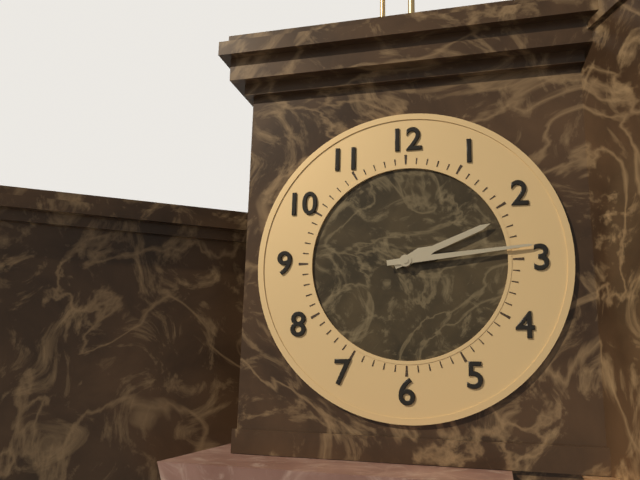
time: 2:14
